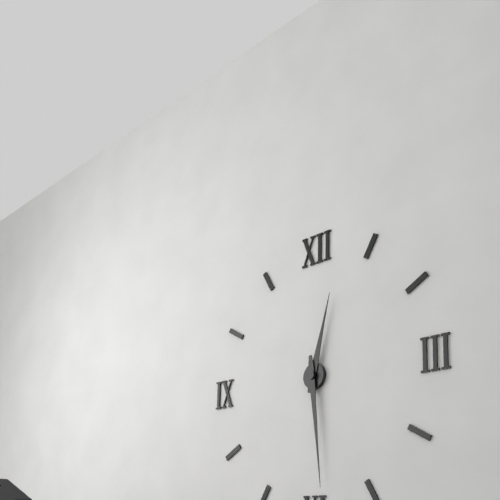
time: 12:29
